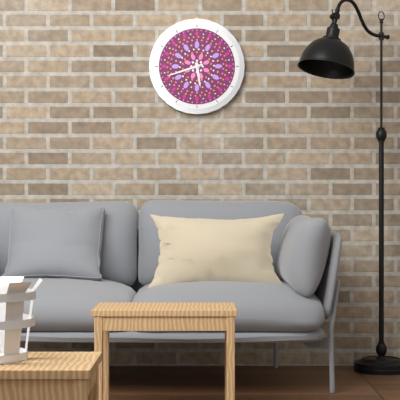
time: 5:42
